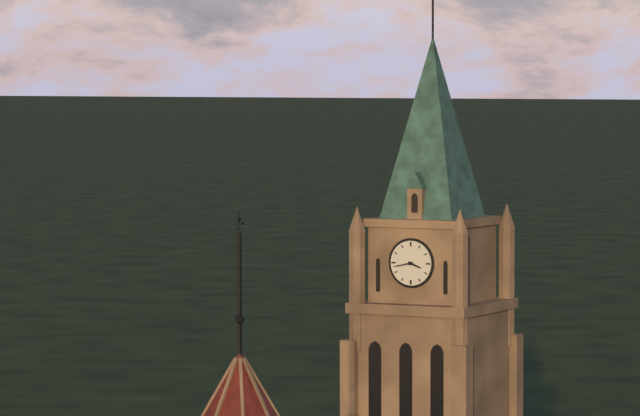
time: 3:43
